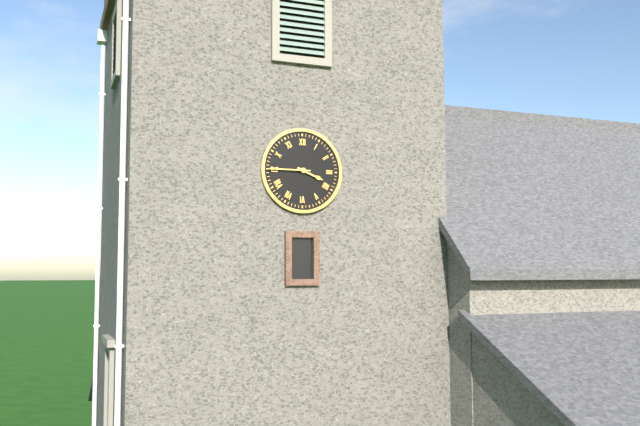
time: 3:45
